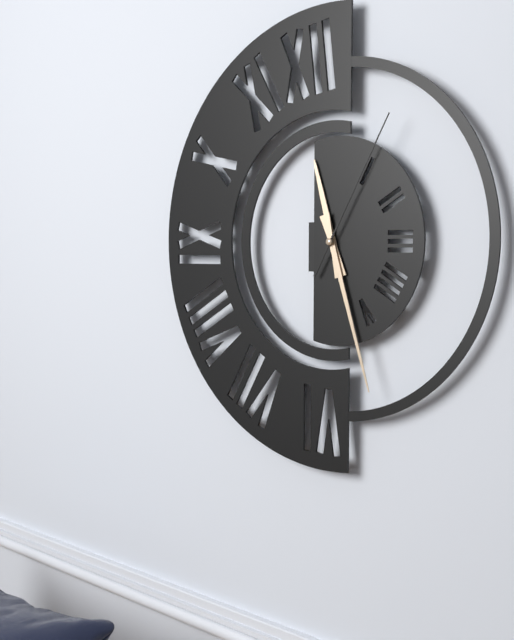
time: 11:27:05
